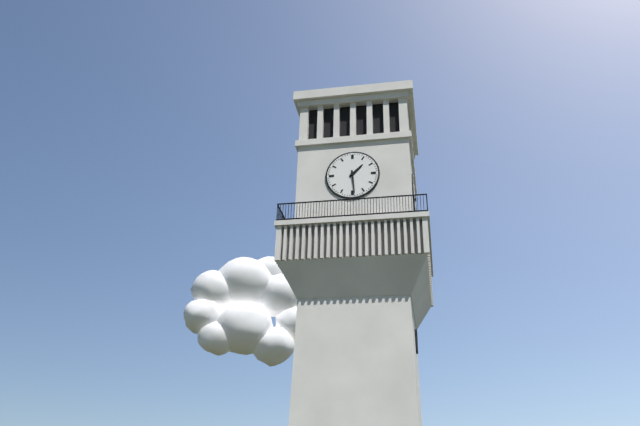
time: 1:29
